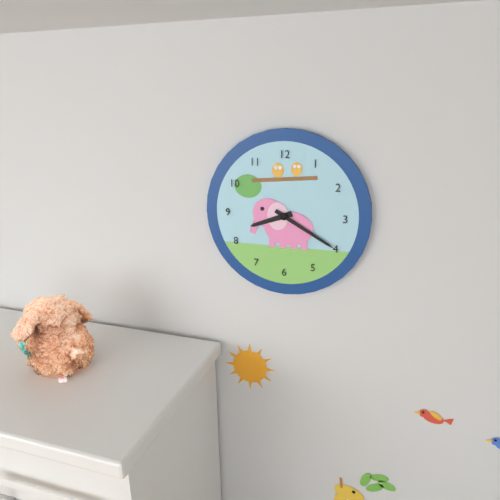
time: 8:20
